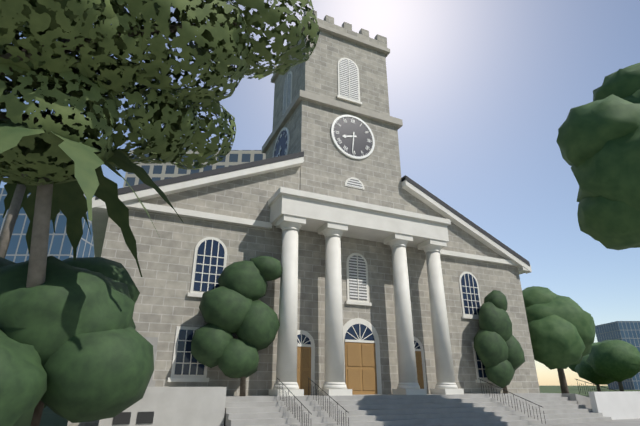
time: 8:31
